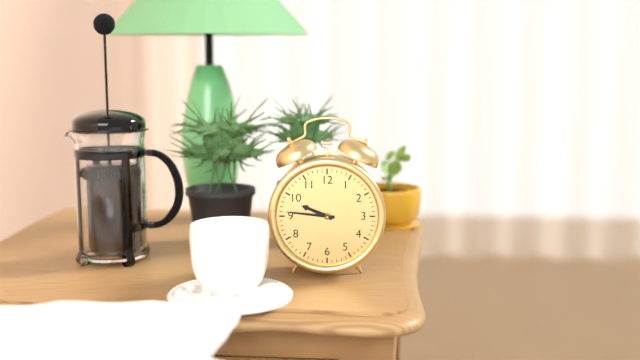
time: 9:46
